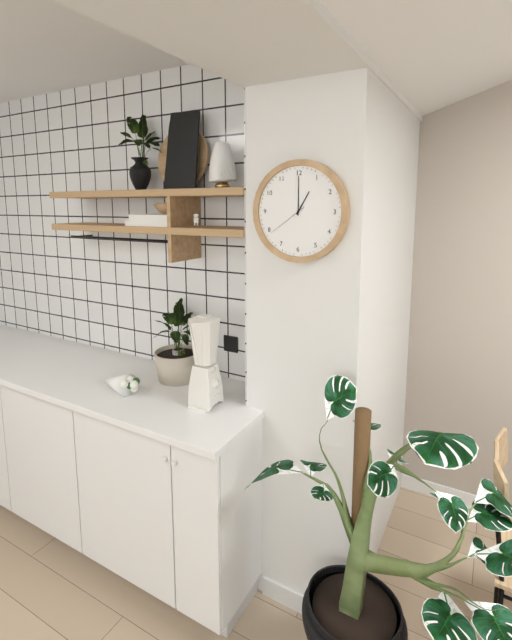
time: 1:00
